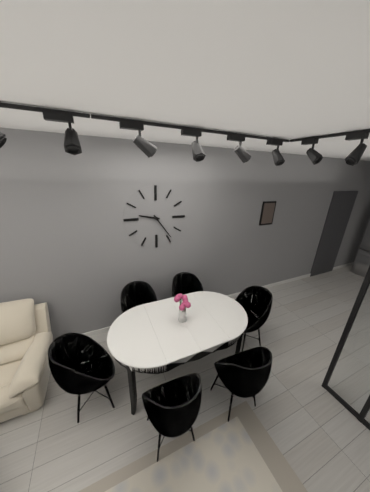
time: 9:24
